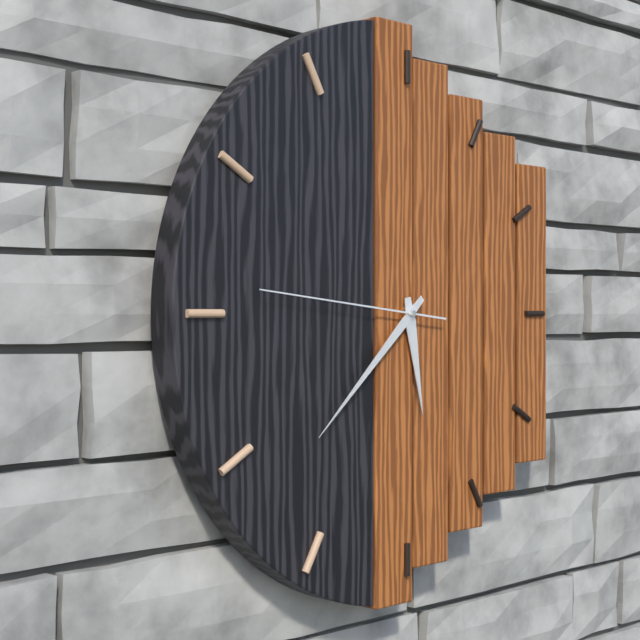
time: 5:38:46
